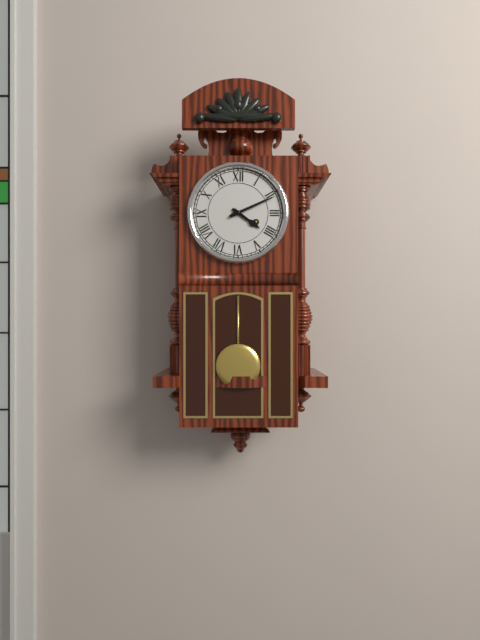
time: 4:11
